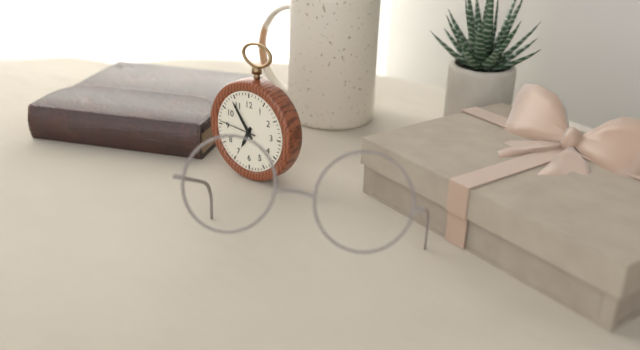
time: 6:54
